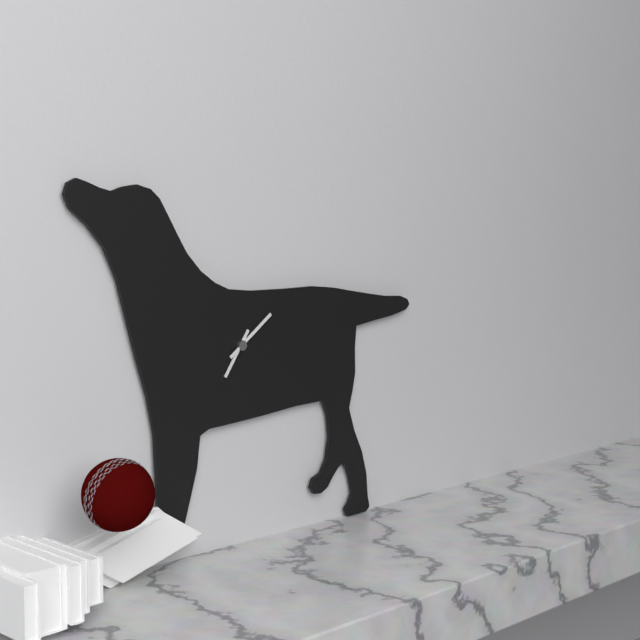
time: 7:09
